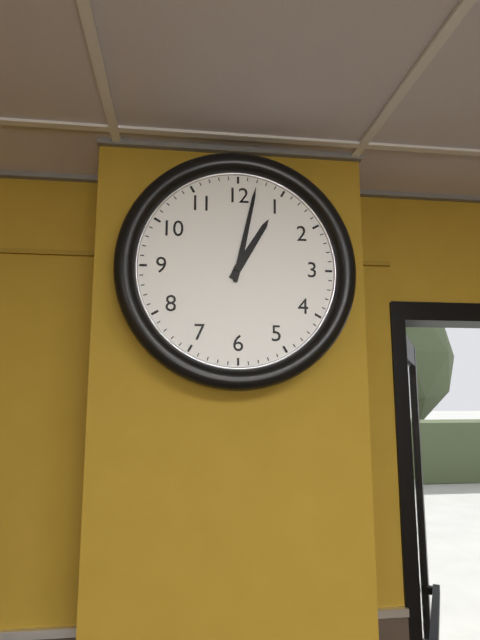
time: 1:02
